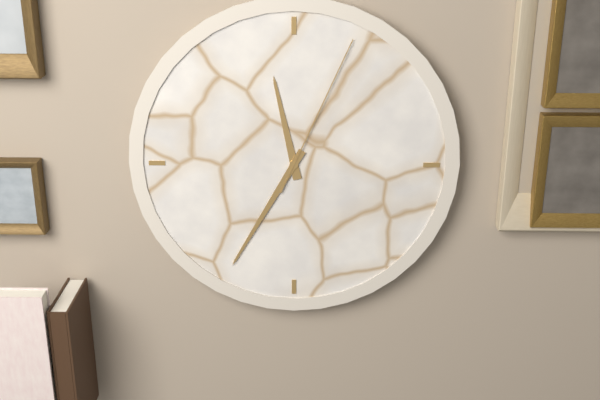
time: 11:35:04
